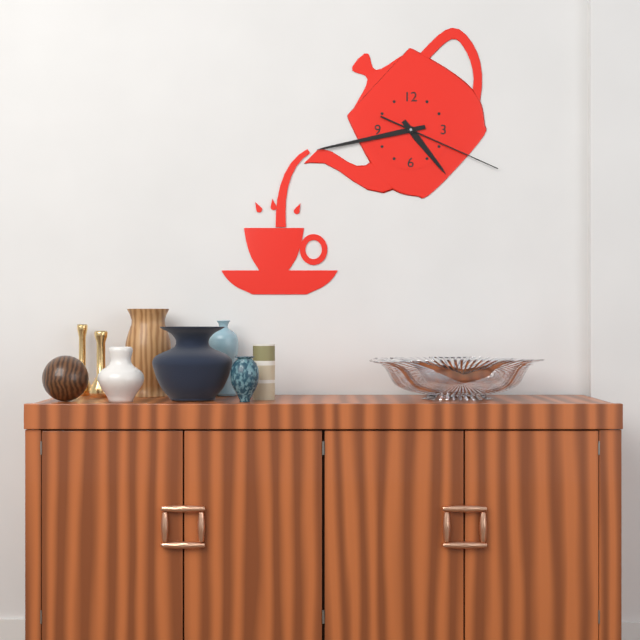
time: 4:43:19
